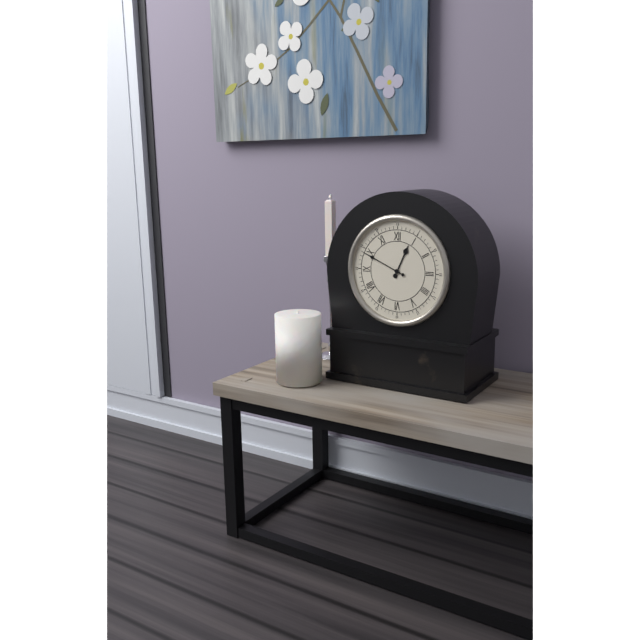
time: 12:49
